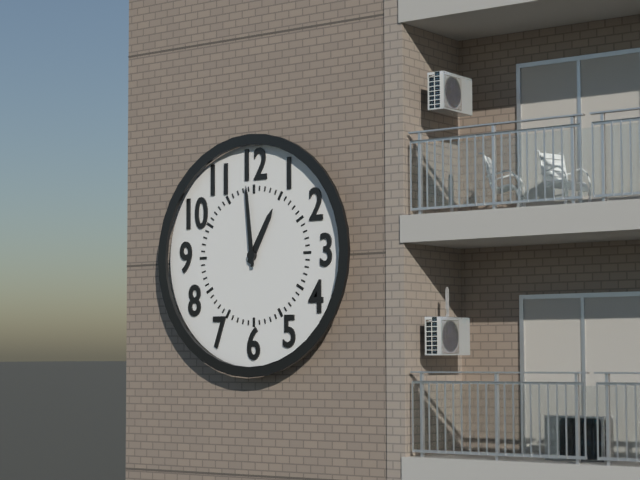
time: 12:59
